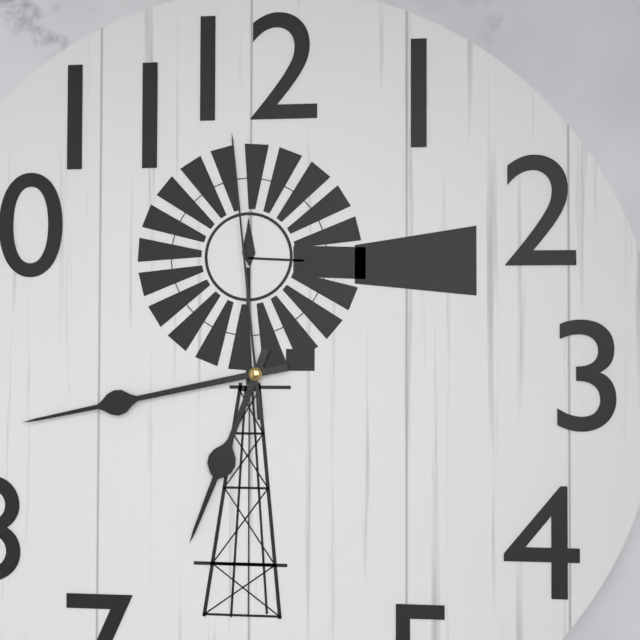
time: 6:43:59
